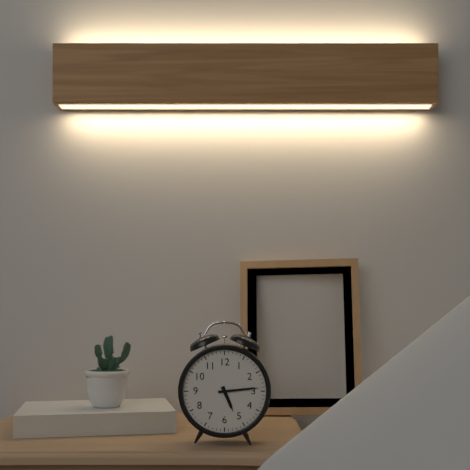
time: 5:14
